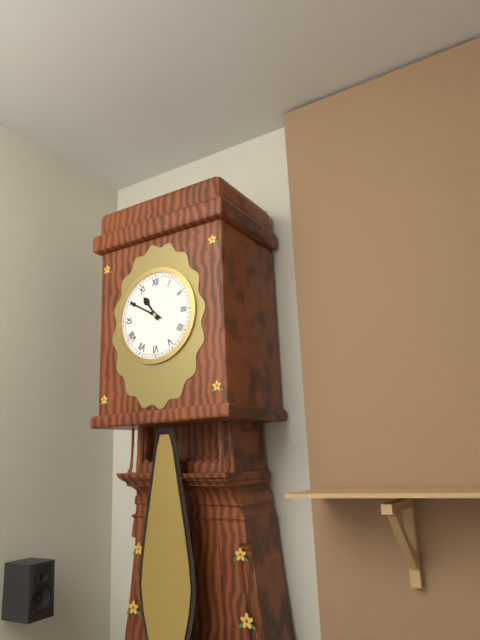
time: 10:50
